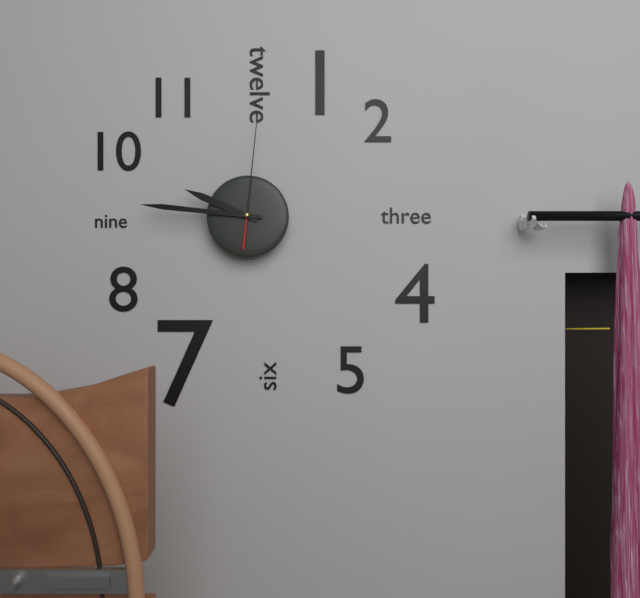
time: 9:46:01
